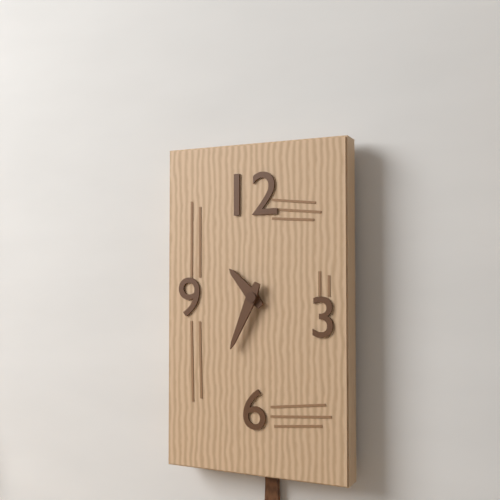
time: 10:34
